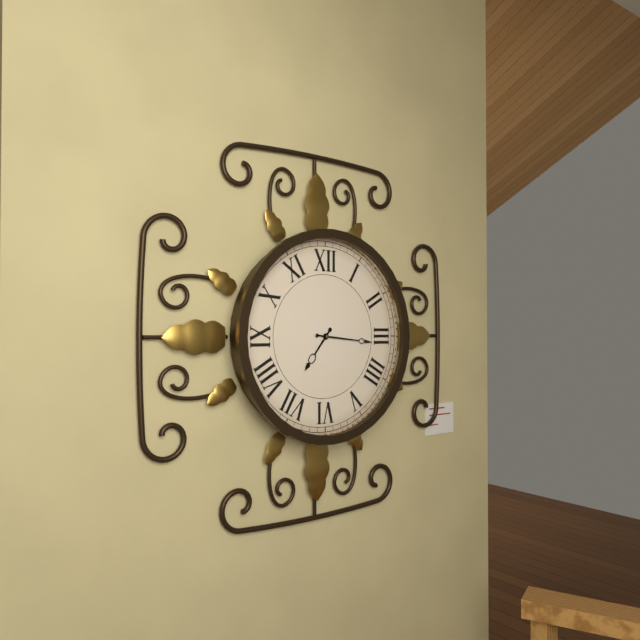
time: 7:16
